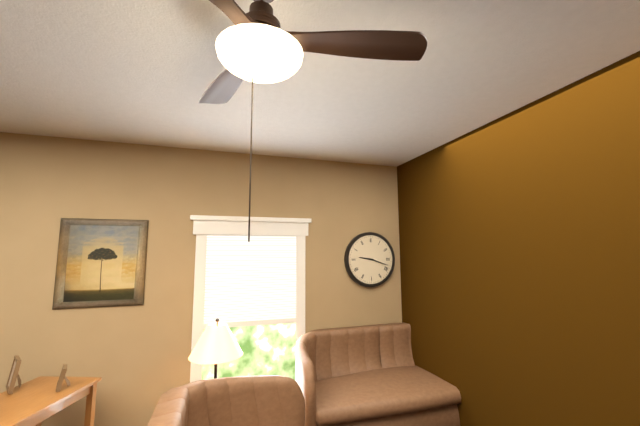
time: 9:18
